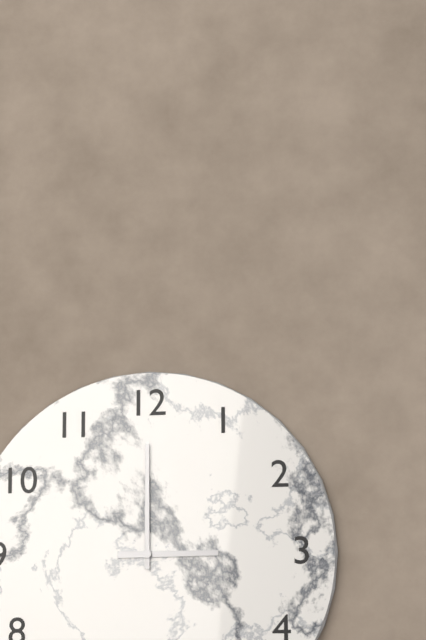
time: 3:00
